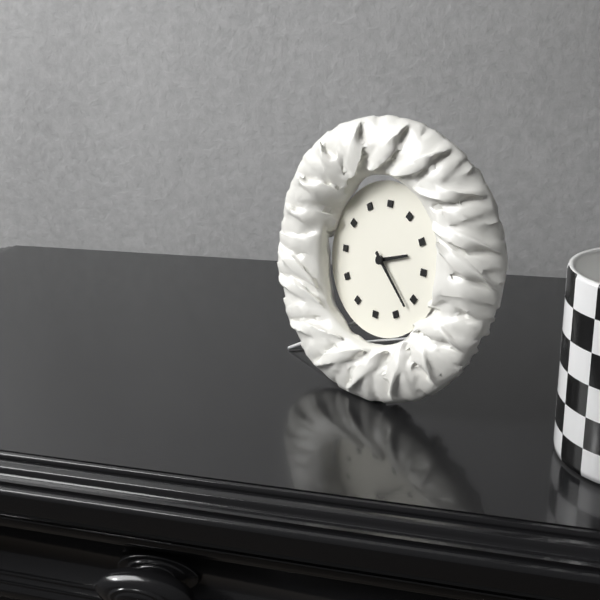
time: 2:22
